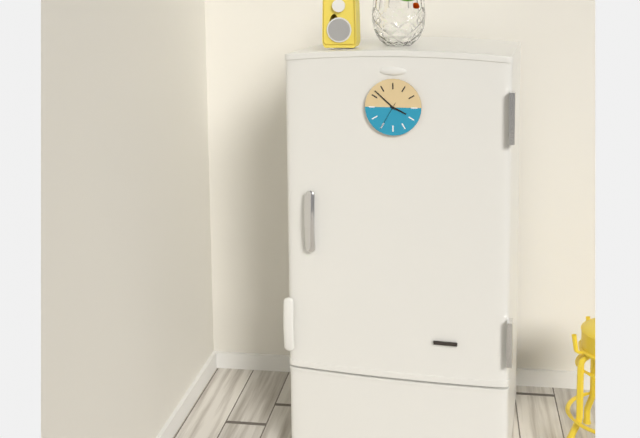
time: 3:52
